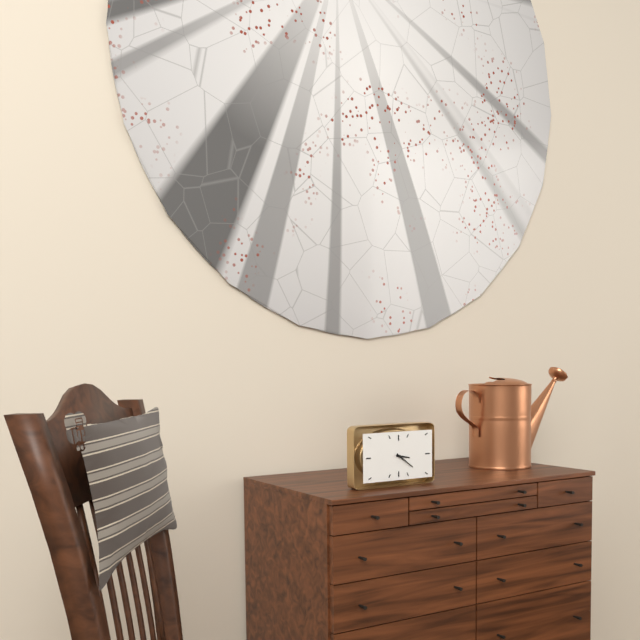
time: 3:21
